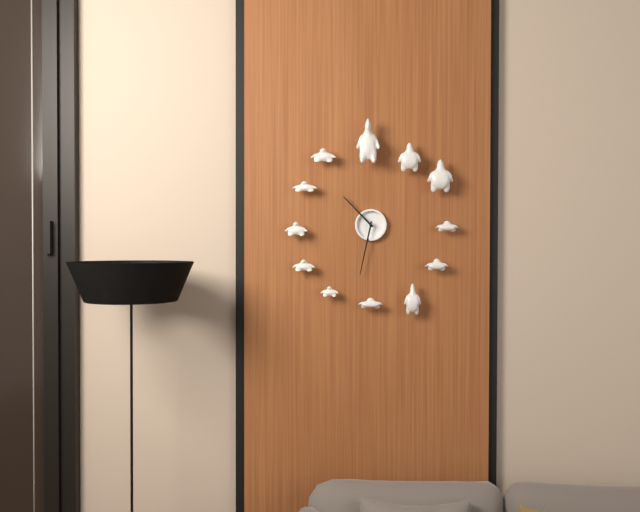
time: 10:32
